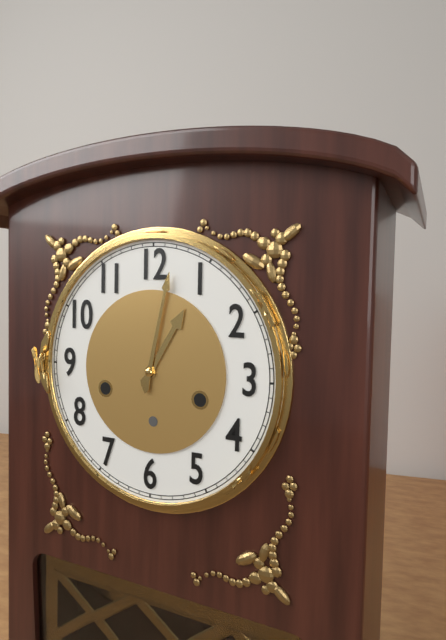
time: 1:02
